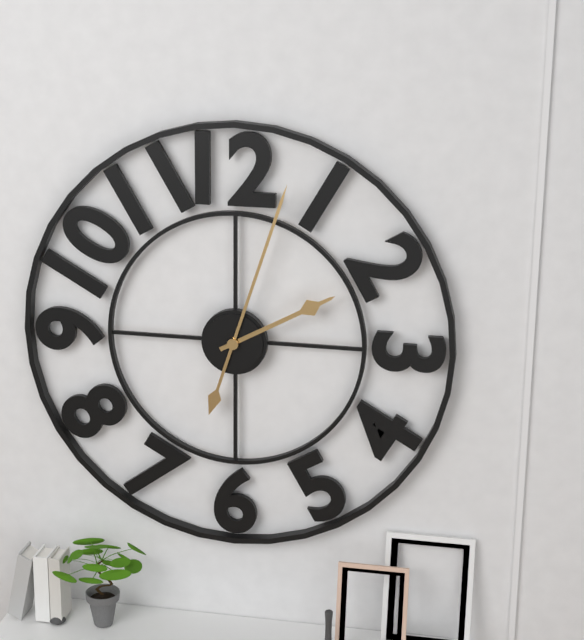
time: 2:03
